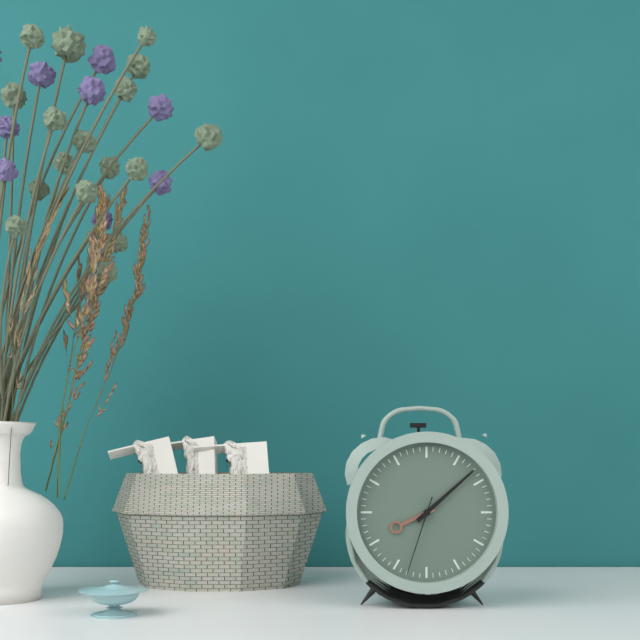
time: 8:08:33
